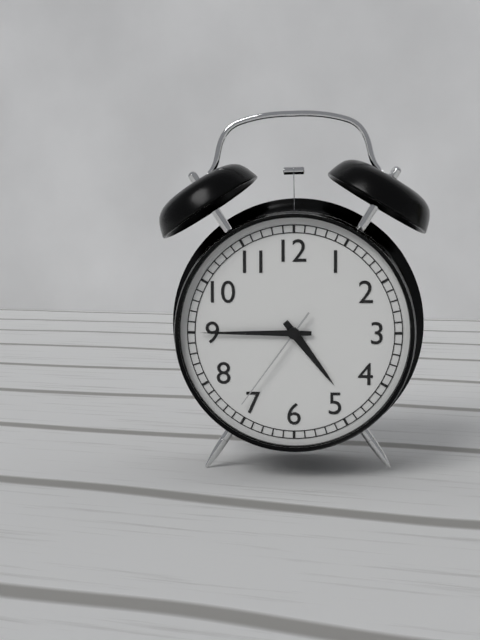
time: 4:45:36
